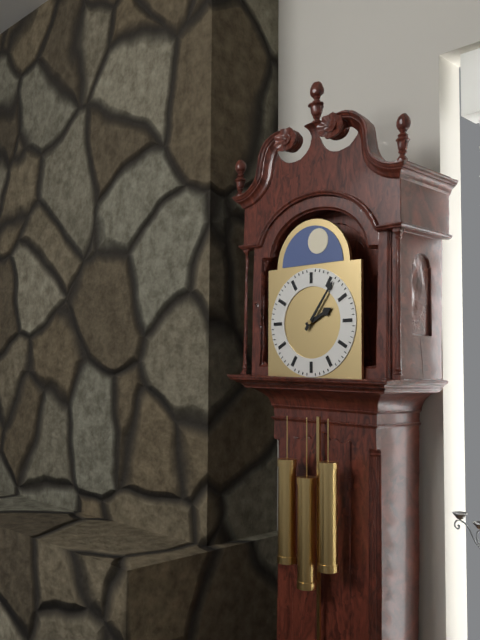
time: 2:06
